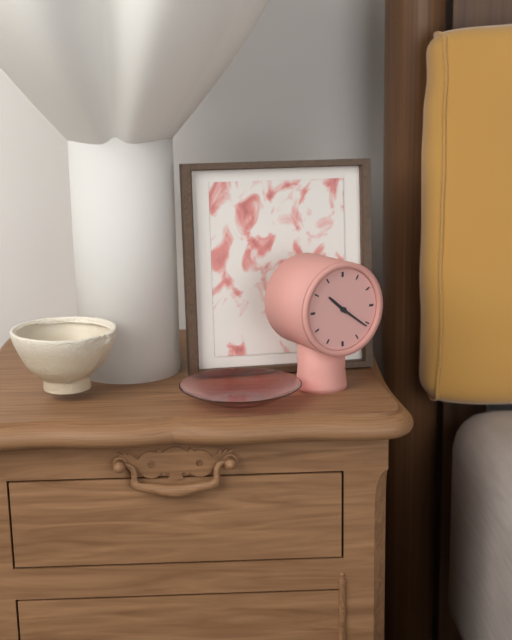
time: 10:21
